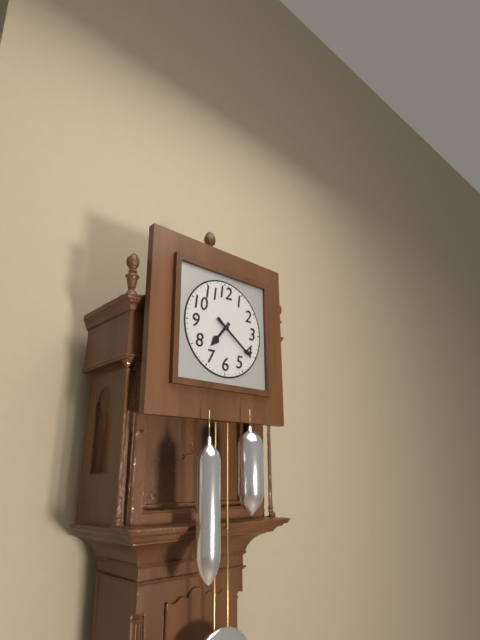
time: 7:21
